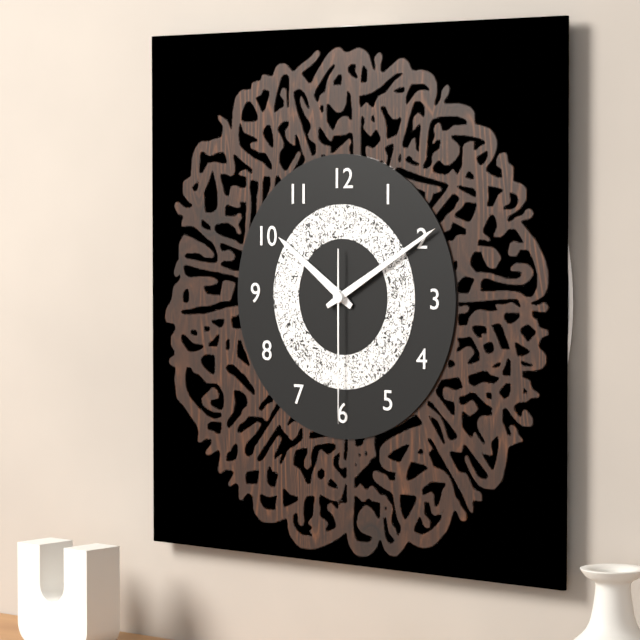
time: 10:10:30
